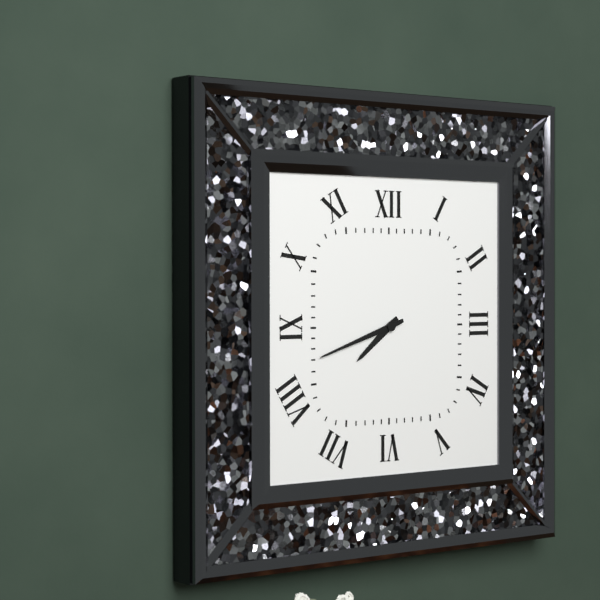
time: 7:42
